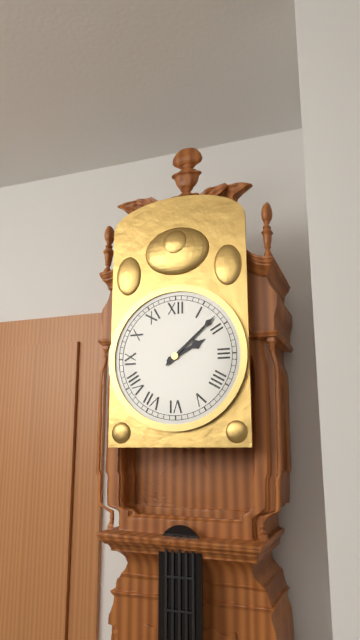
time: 2:08
